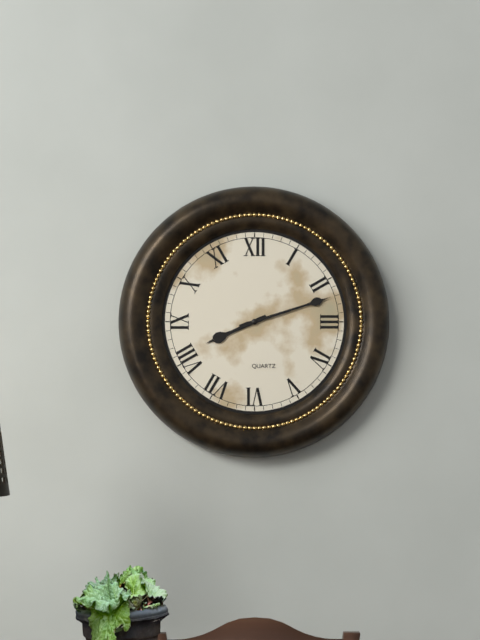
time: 8:12
